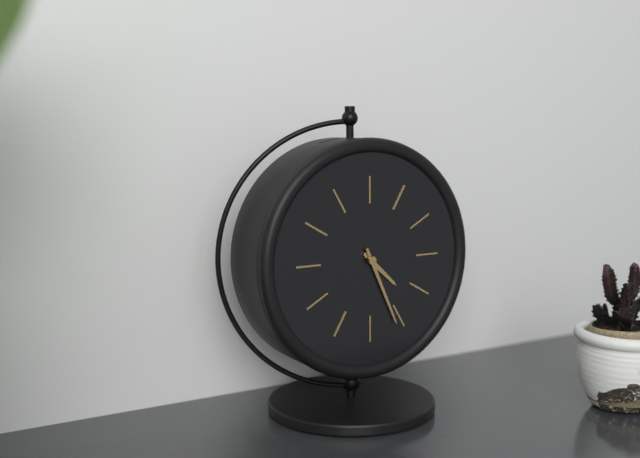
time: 4:26
